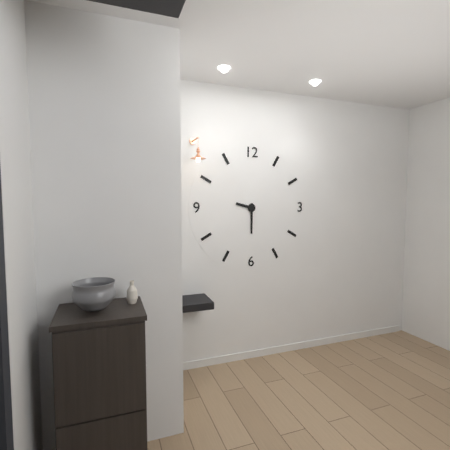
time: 9:30
